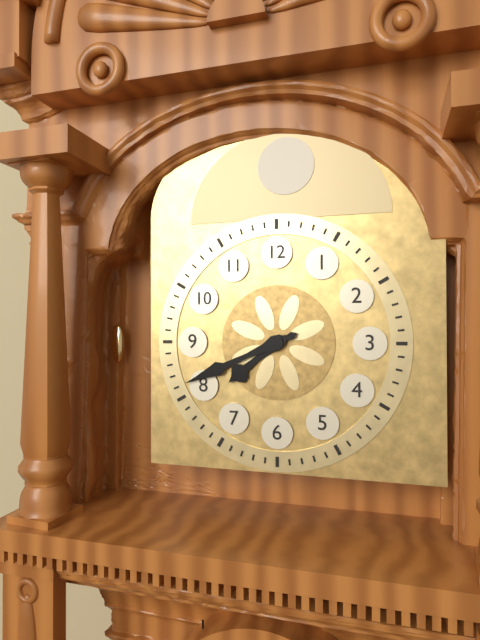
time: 7:41
